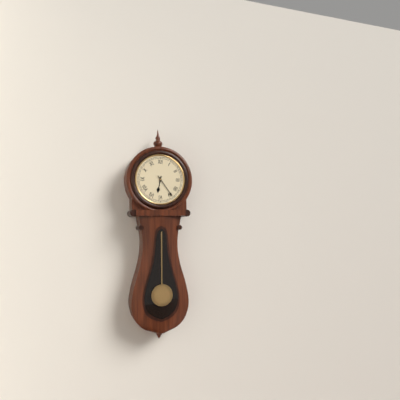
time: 6:24
